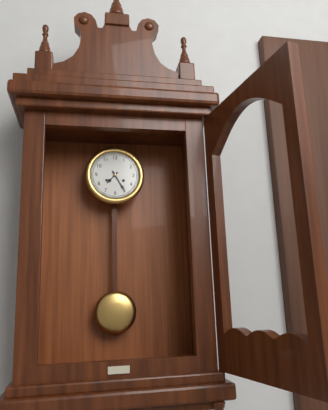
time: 7:25
